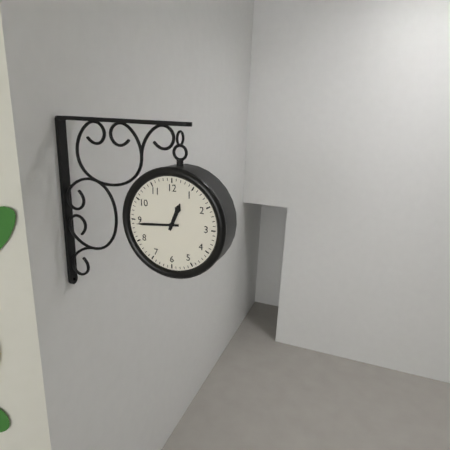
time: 12:44
